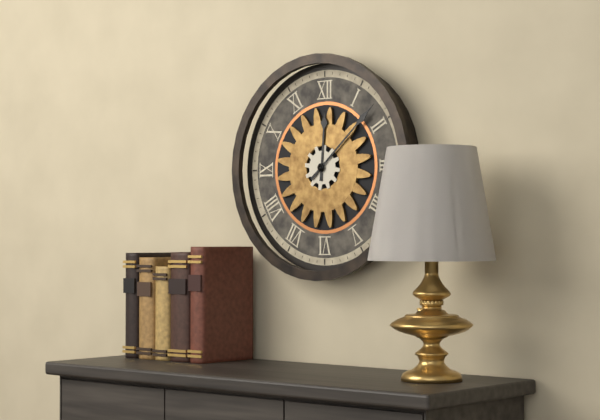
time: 12:08
